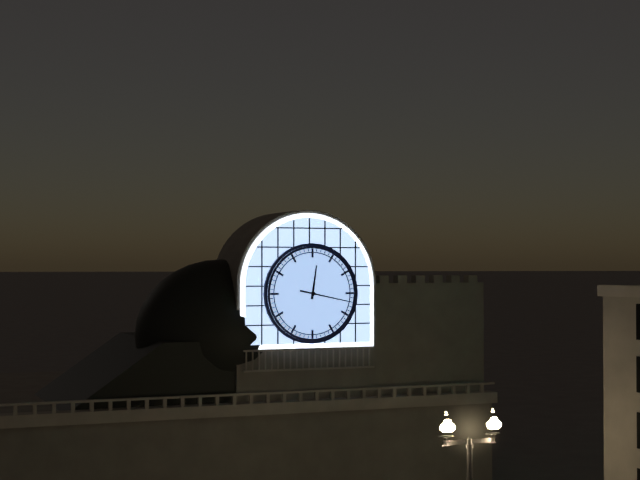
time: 12:17
